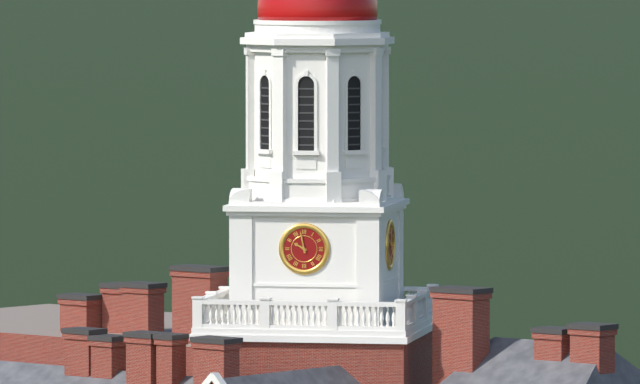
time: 9:58
